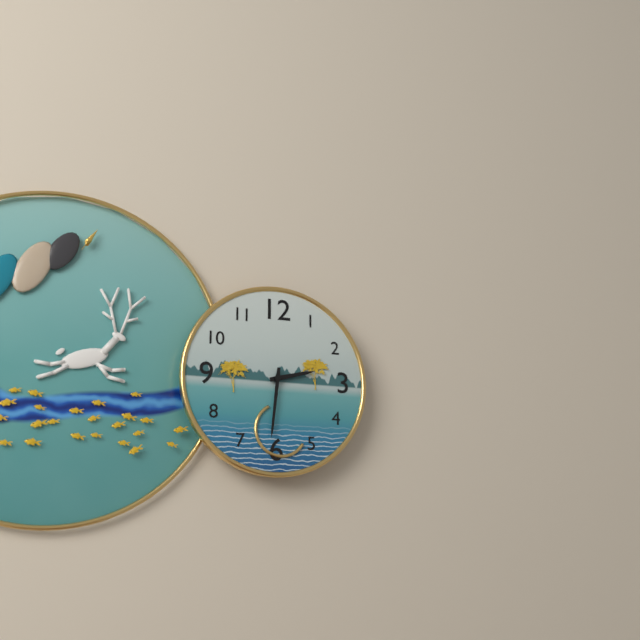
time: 2:31
